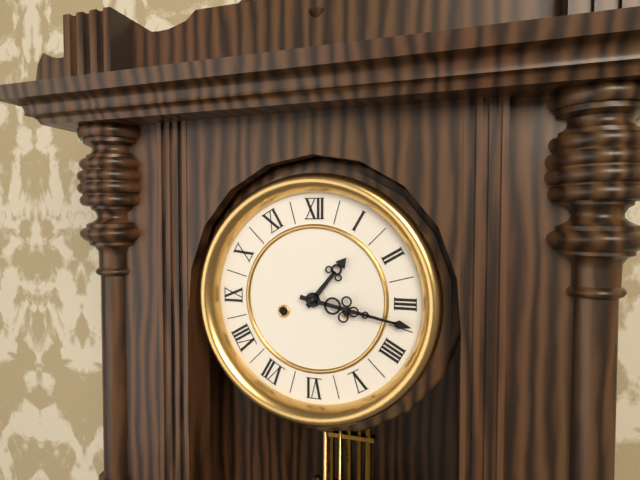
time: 1:17
